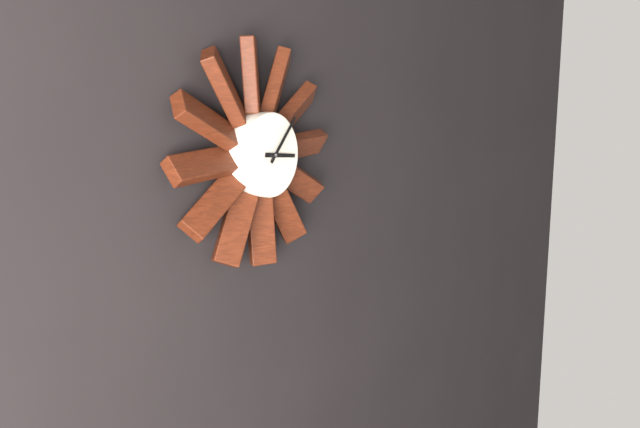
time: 3:07
